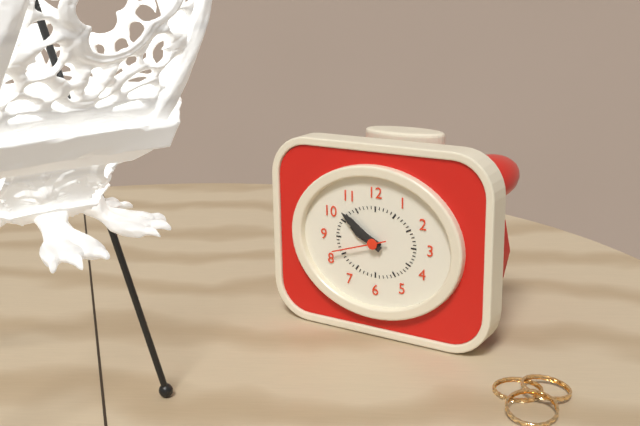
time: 9:51:42
